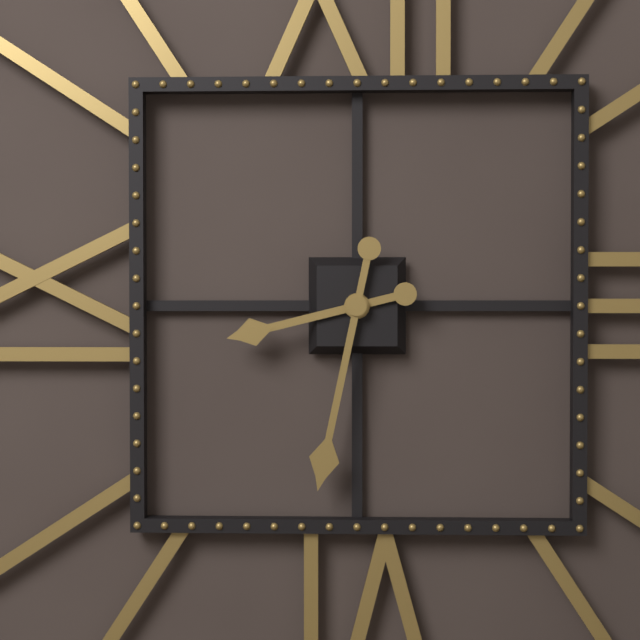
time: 8:32
